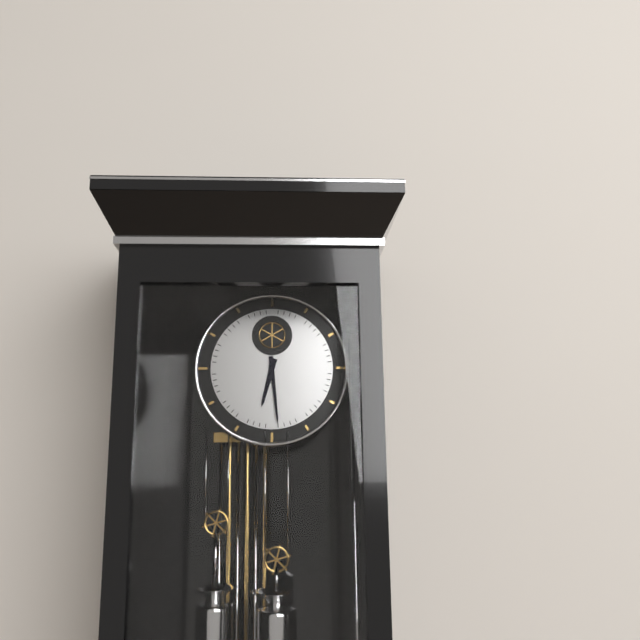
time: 6:29
